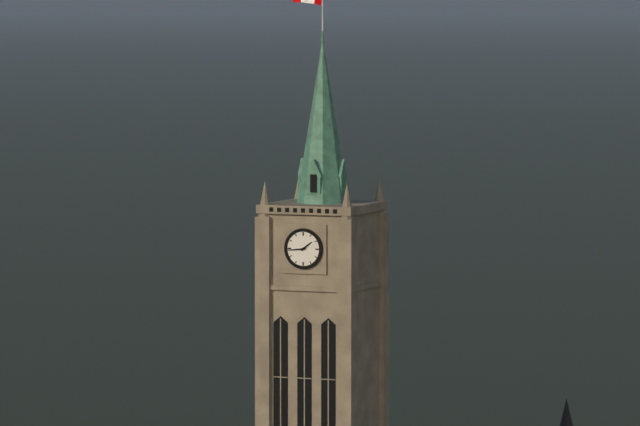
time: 1:44
